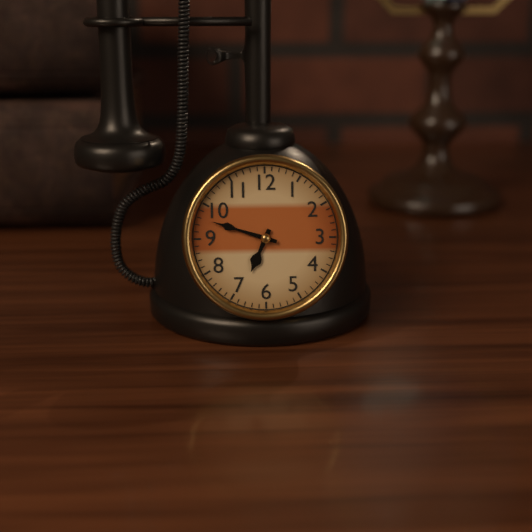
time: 6:48
